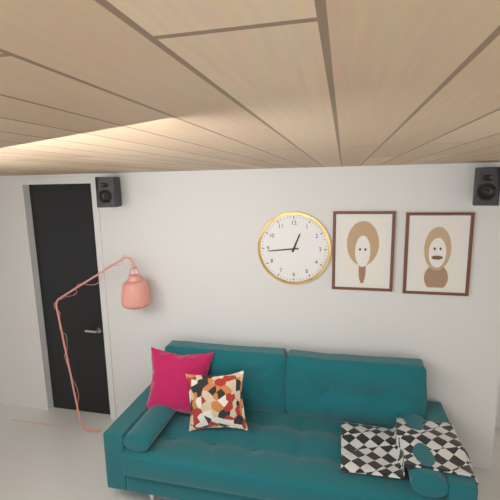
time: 12:44
